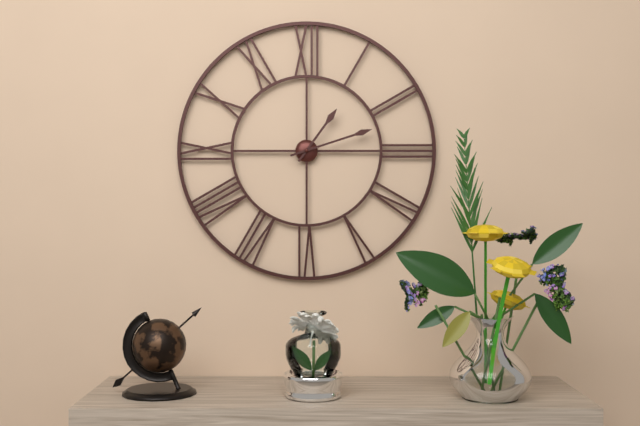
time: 1:12
